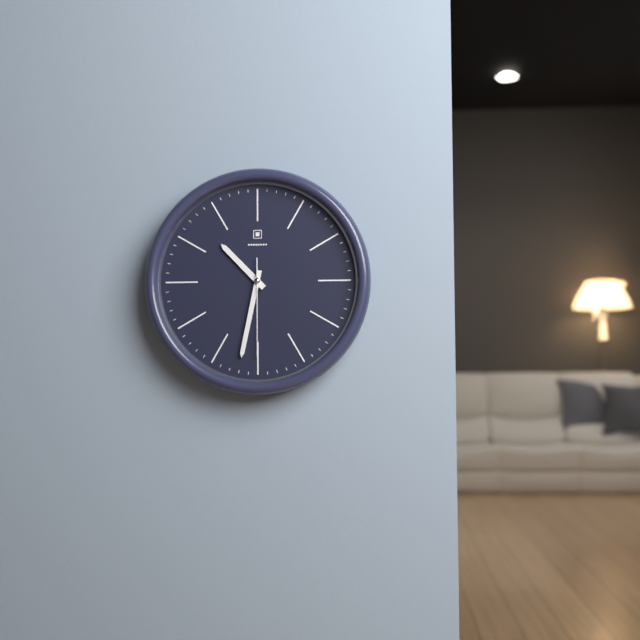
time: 10:32:30
